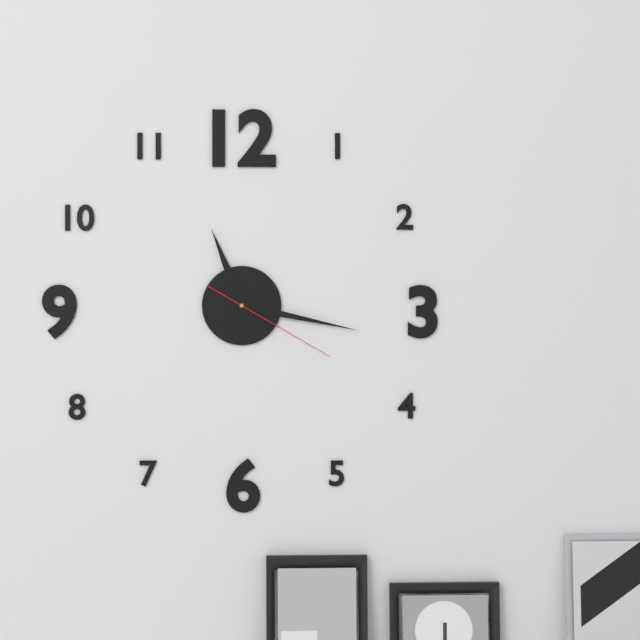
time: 11:17:20
